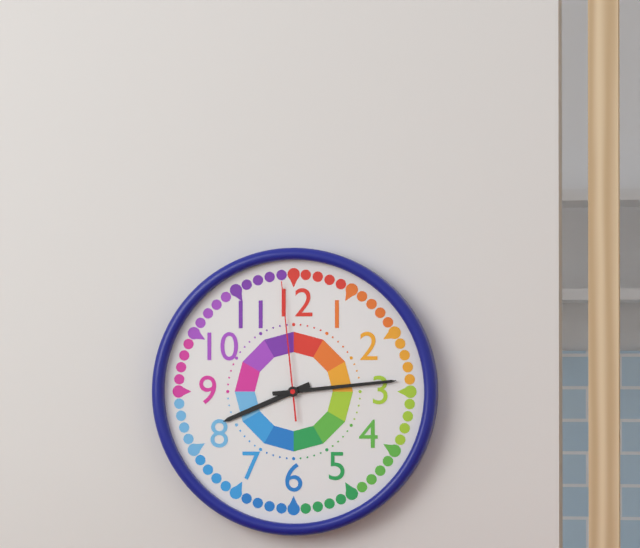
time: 8:14:59
